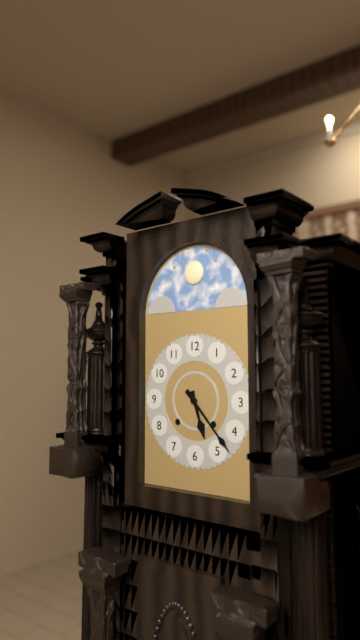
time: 5:23
